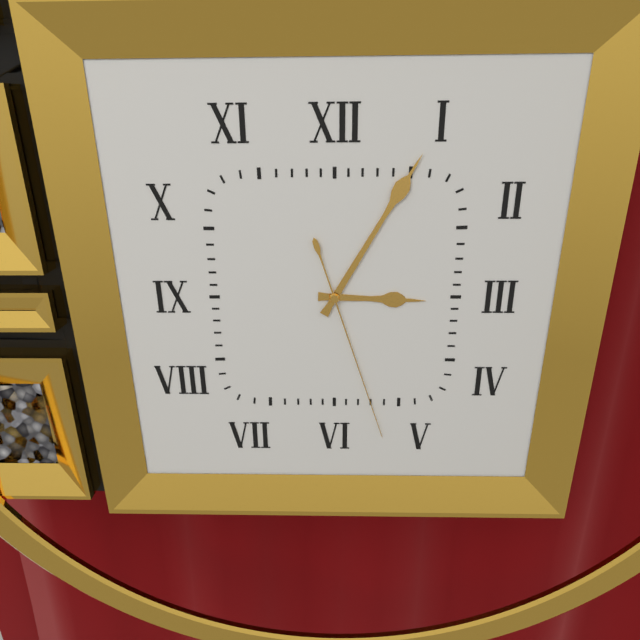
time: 3:05:27
